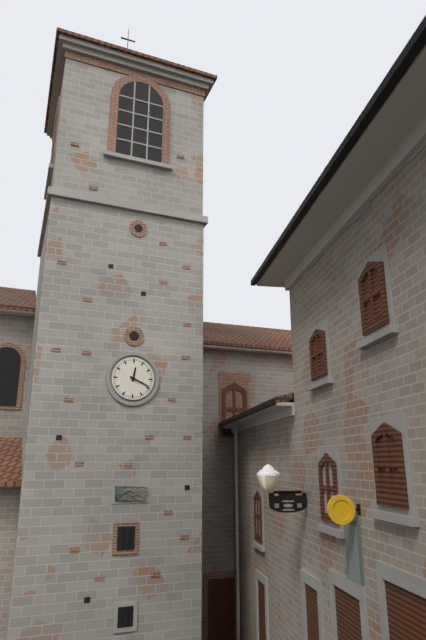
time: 12:19
